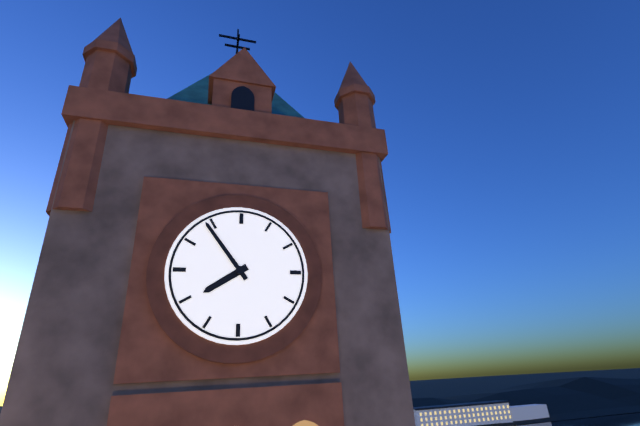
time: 7:54
